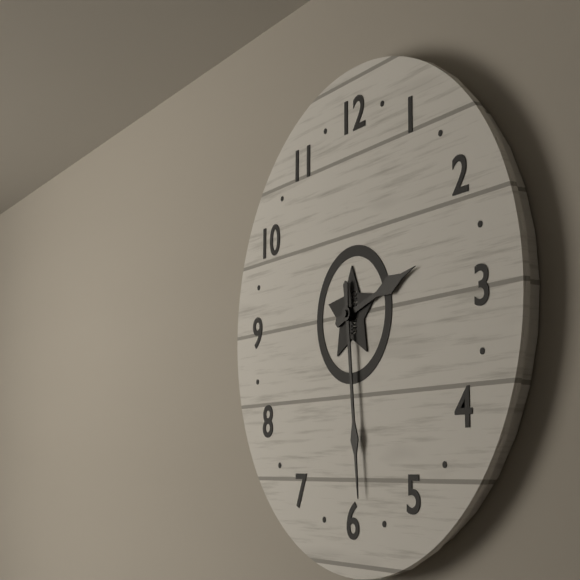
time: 2:29
